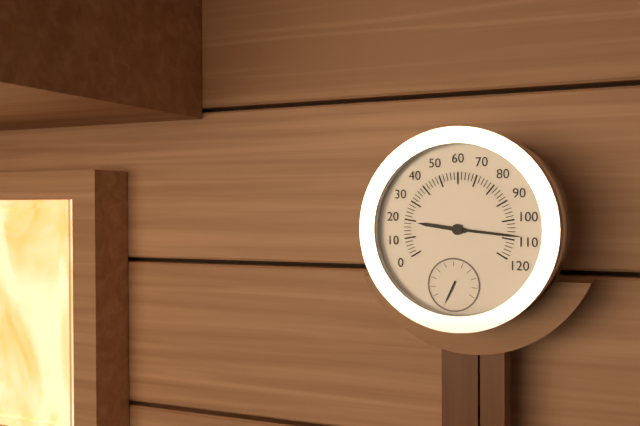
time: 9:16
